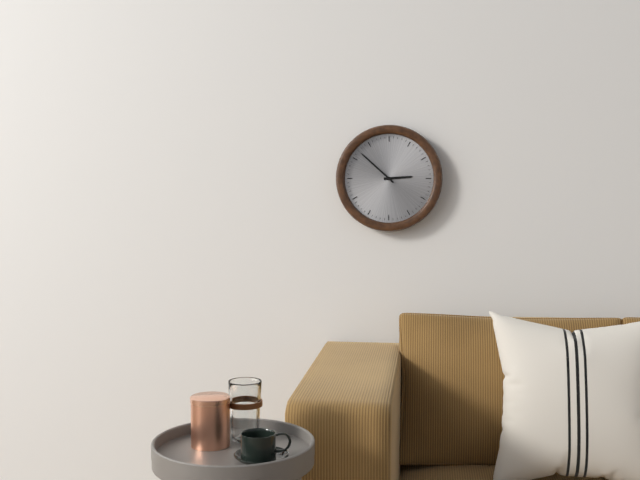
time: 2:52
